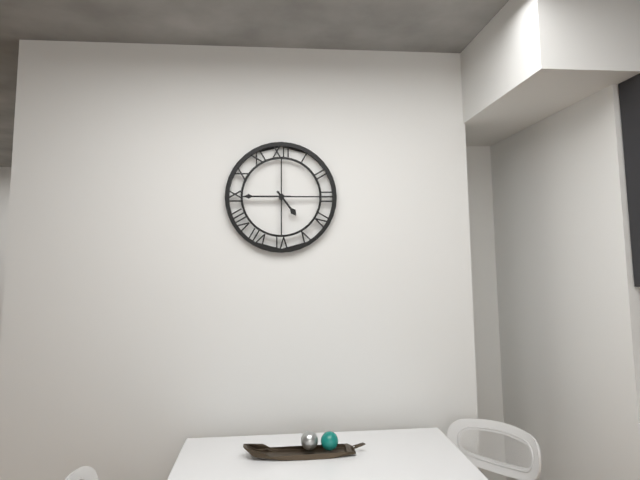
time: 4:45
